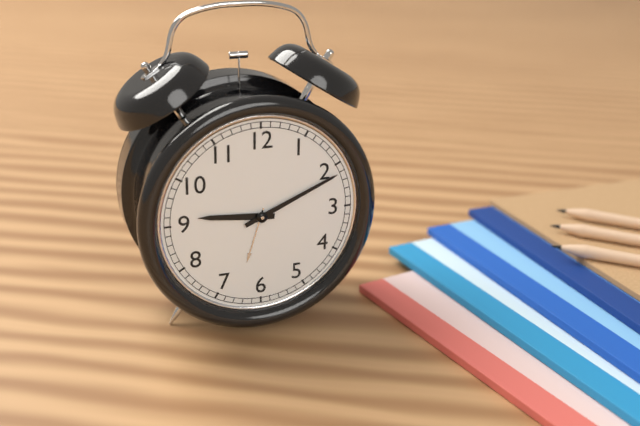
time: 9:11
